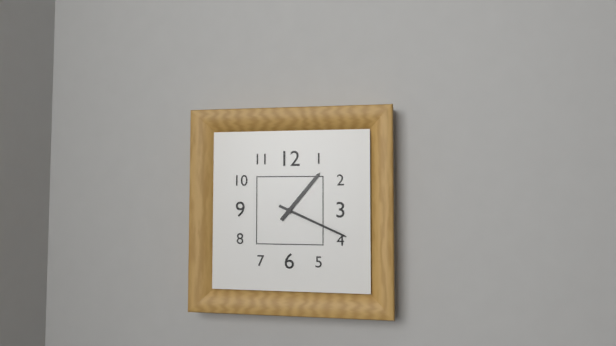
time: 1:19
